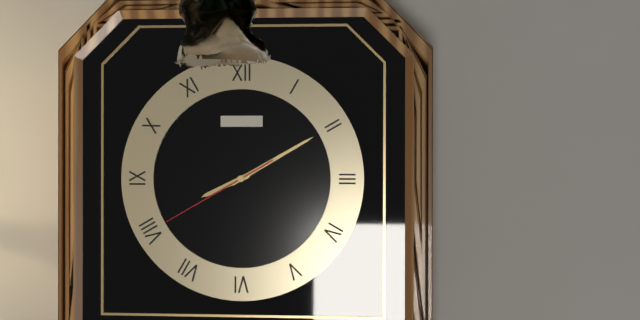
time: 8:10:40
